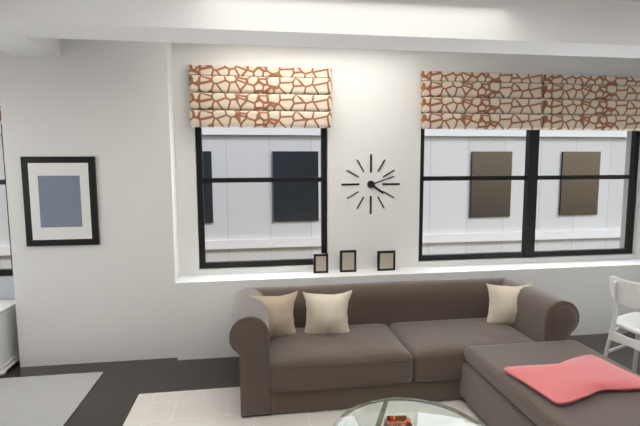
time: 4:12
